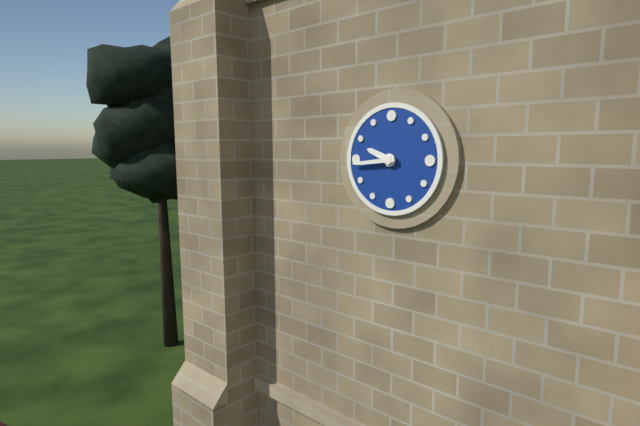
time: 9:44
